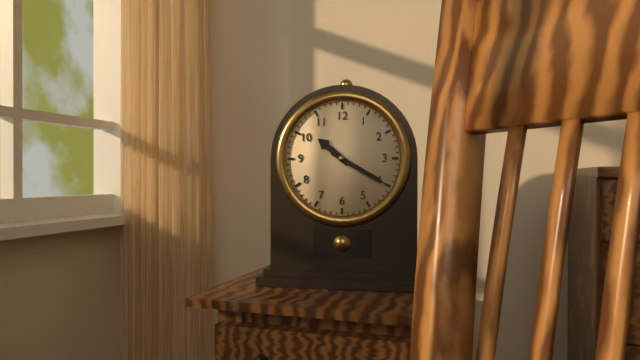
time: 10:20
